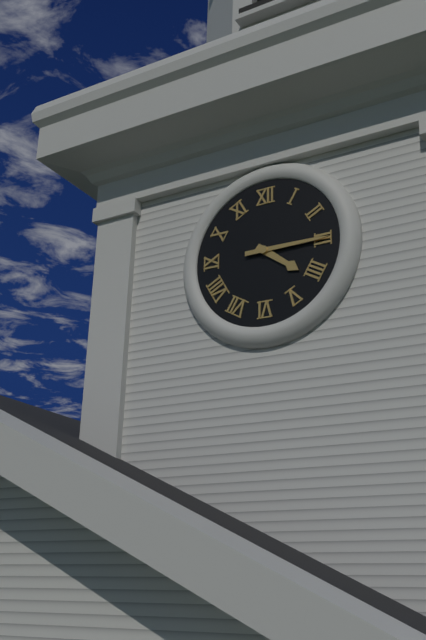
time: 4:15
